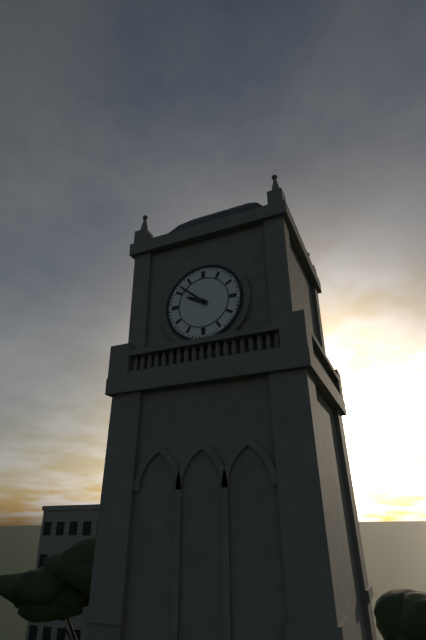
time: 9:52
